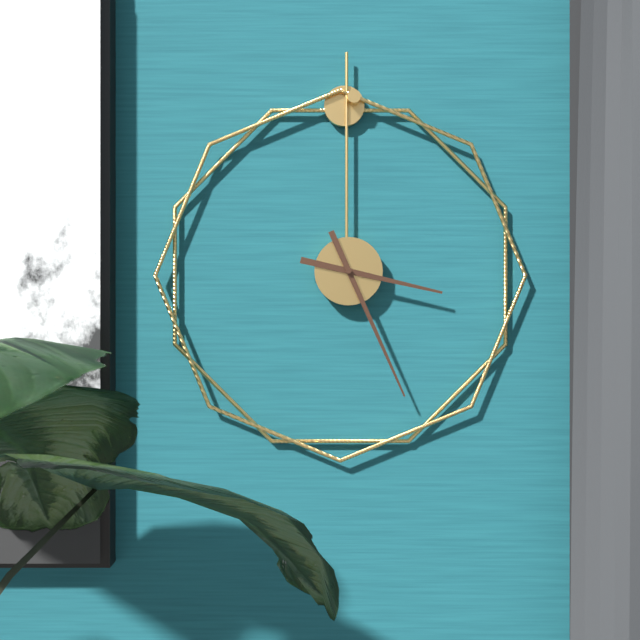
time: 3:26
